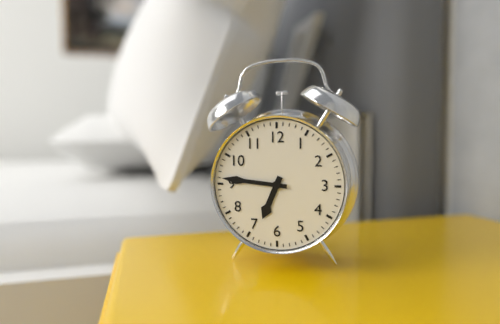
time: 6:46
